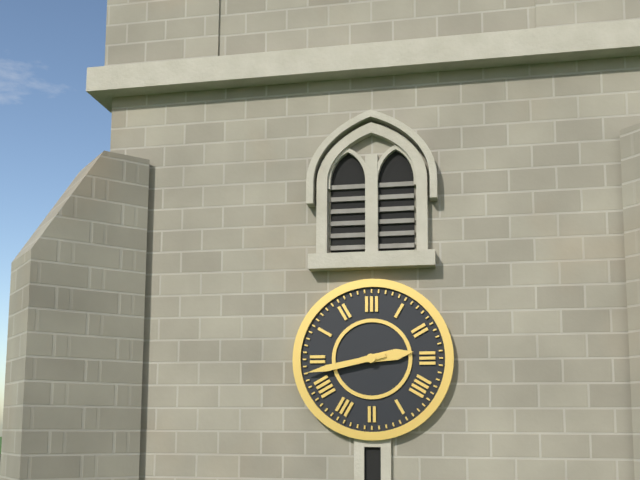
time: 2:43
